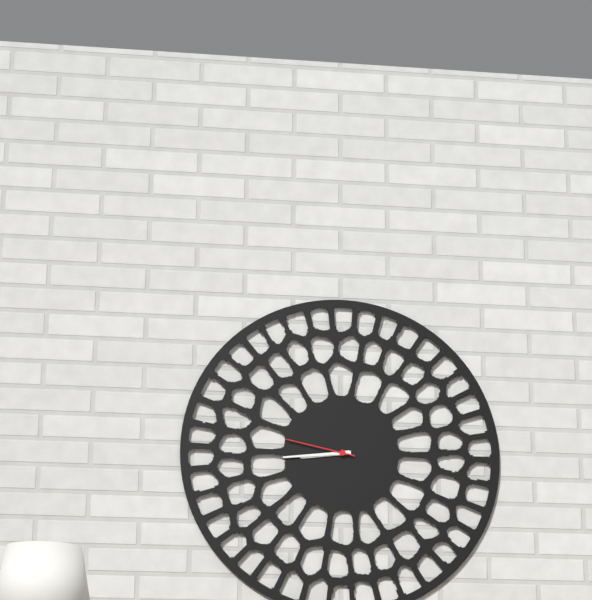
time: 8:44:47
